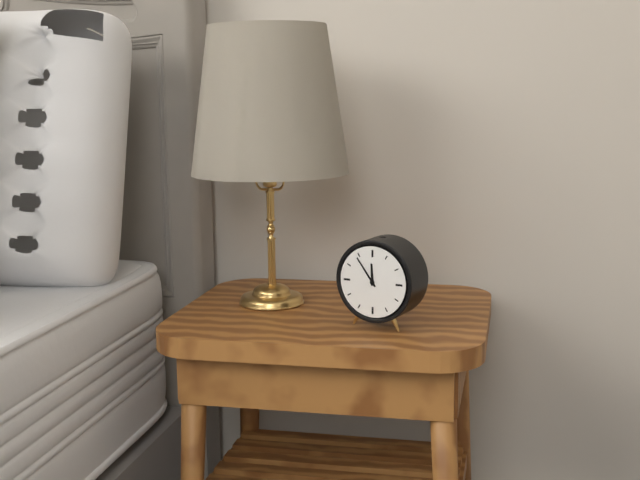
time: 11:54
